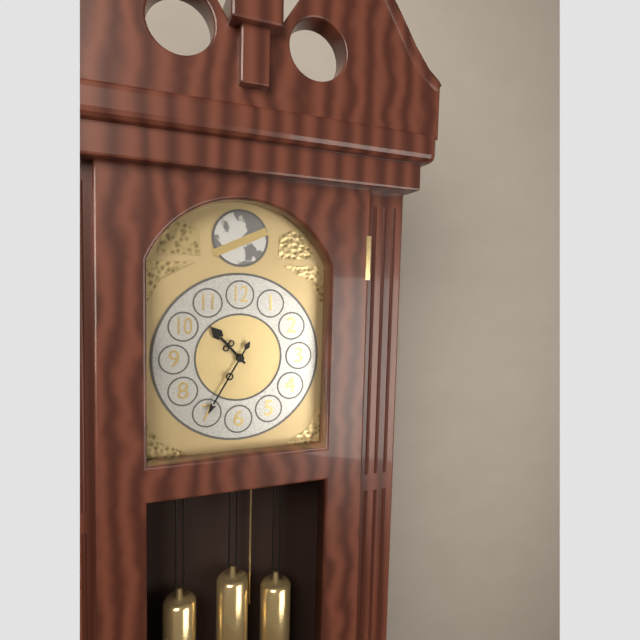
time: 10:35
